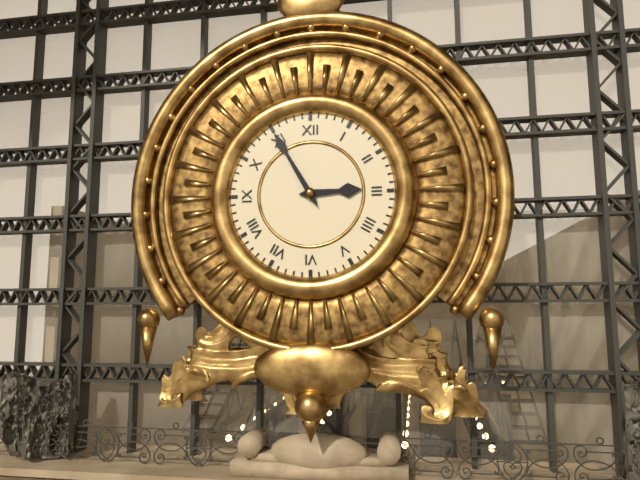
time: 2:55
